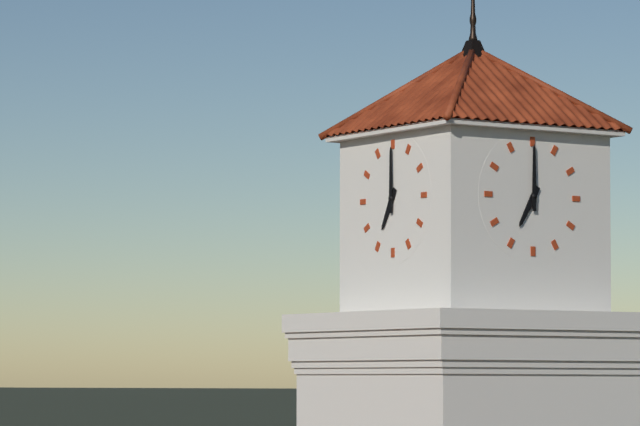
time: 7:00
